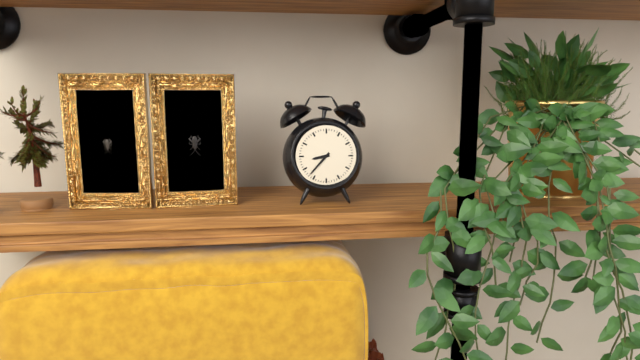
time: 8:37
